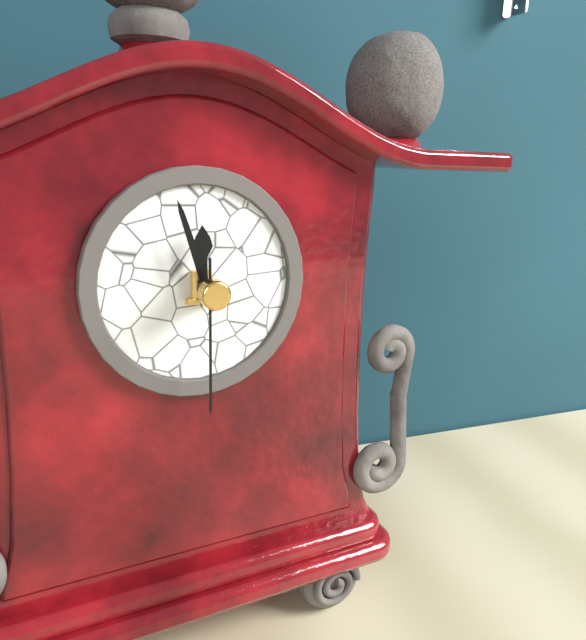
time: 11:57:30
